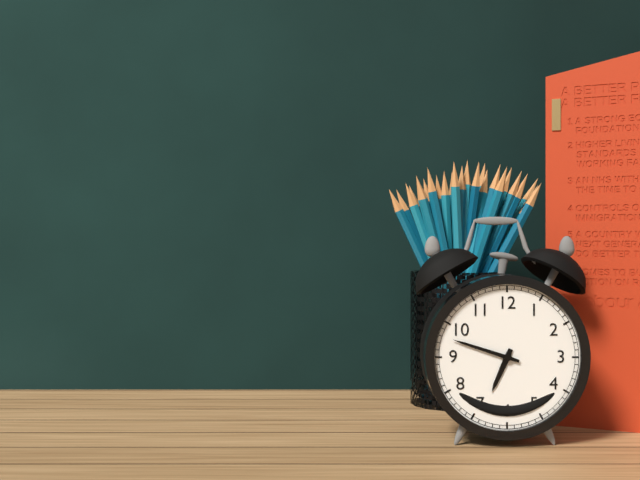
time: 6:48
